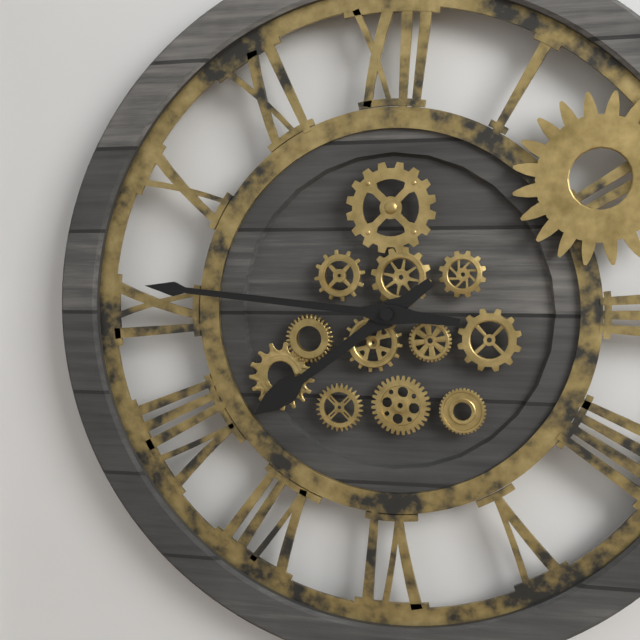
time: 7:46
